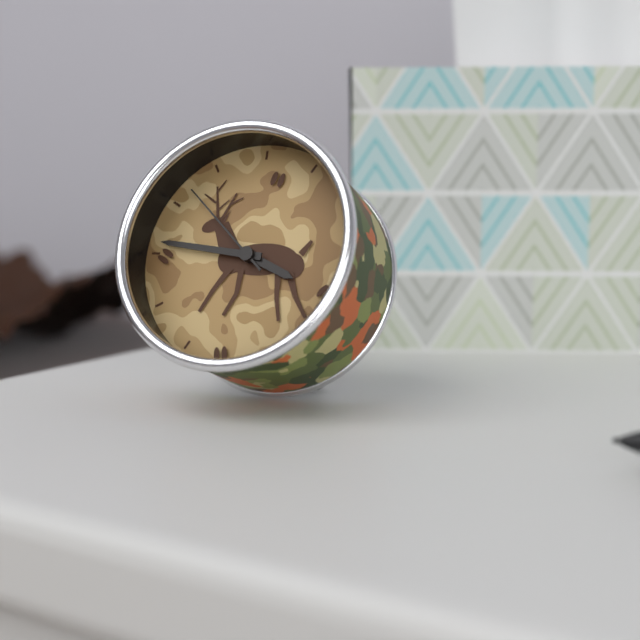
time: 3:46:52
